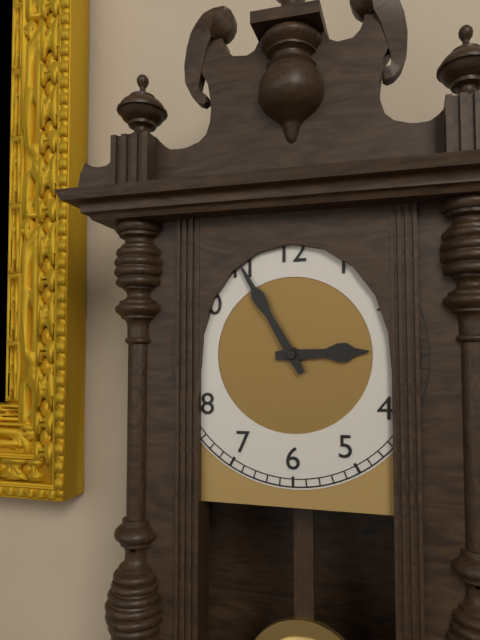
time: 2:55
